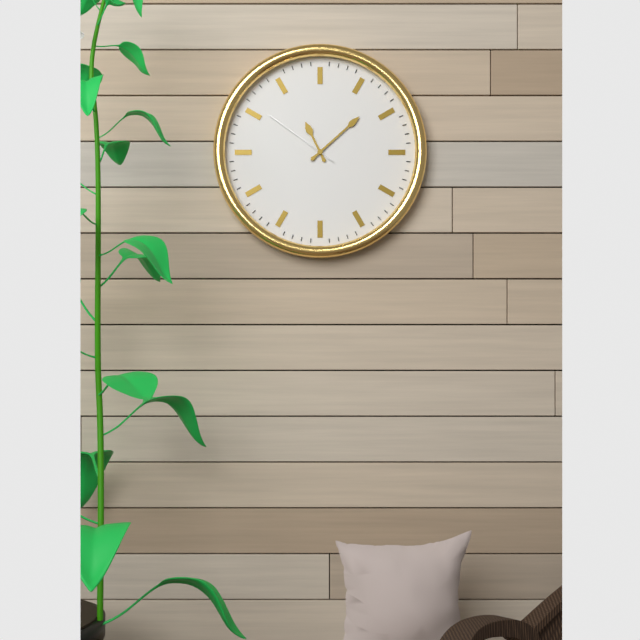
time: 11:08:51
